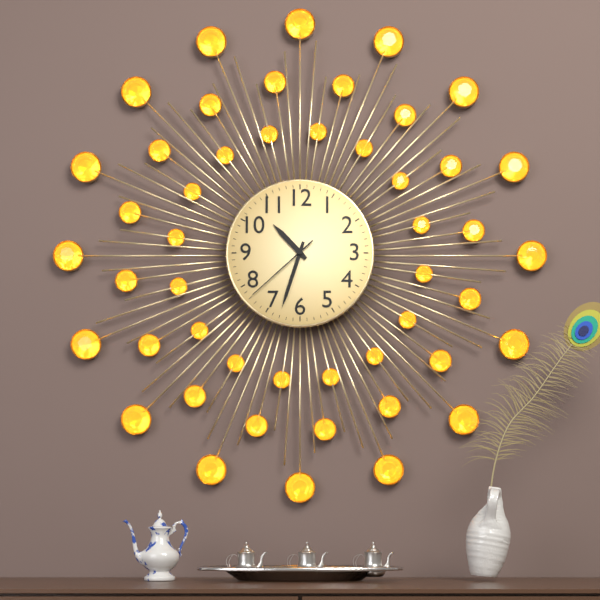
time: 10:33:38
